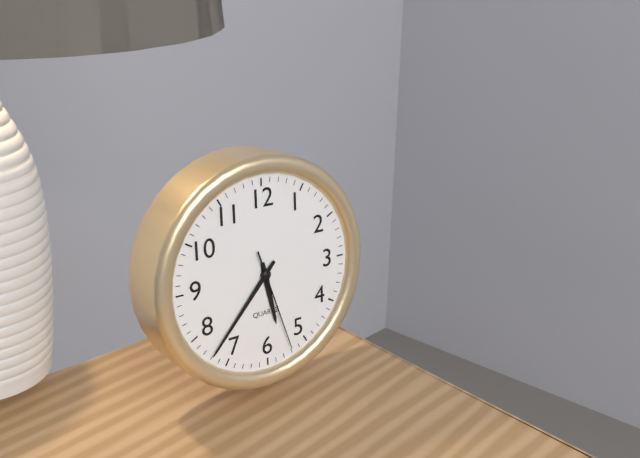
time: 5:37:27
